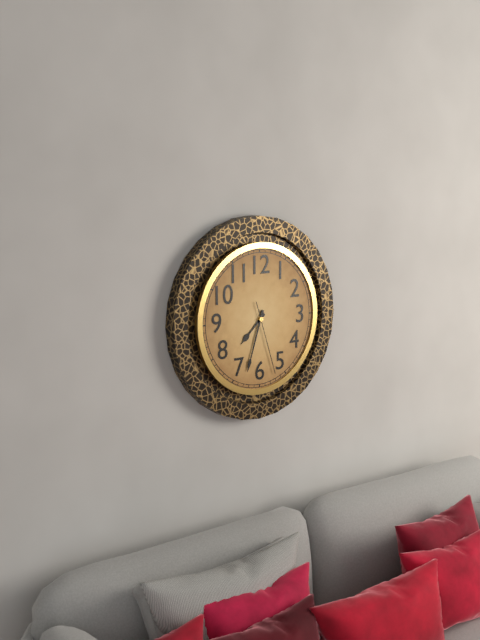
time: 7:33:27
